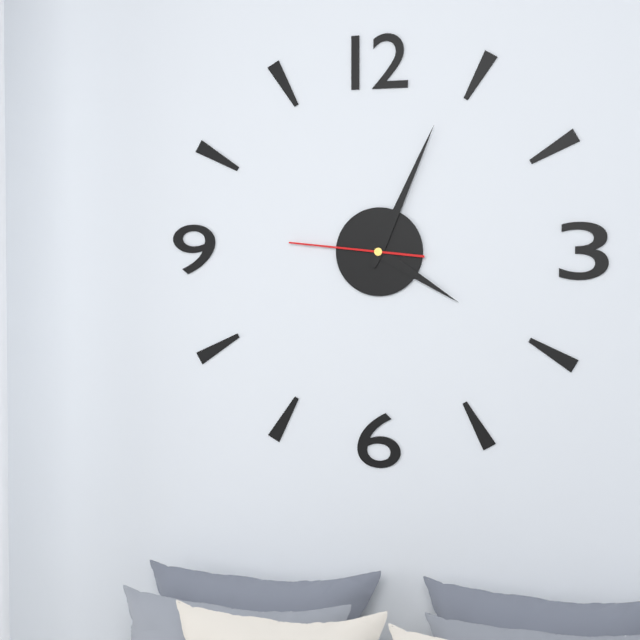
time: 4:04:46
